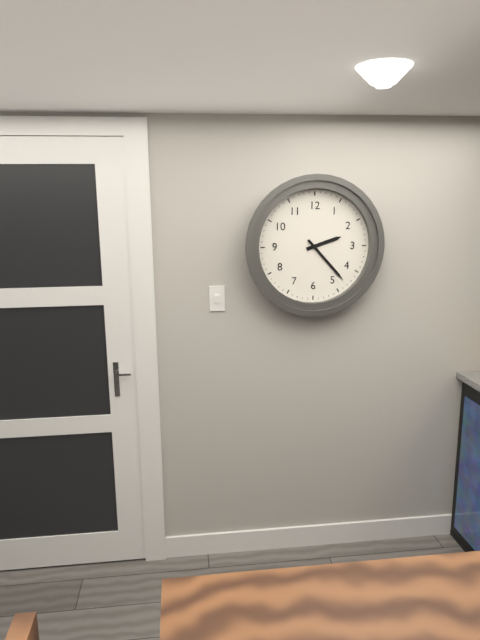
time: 2:23
